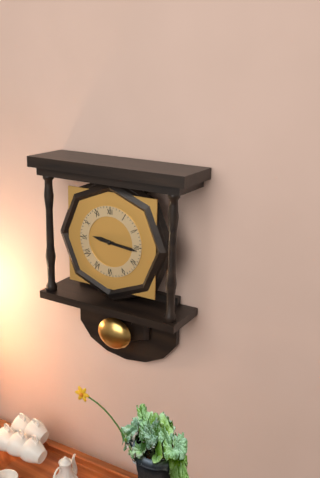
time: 9:16
